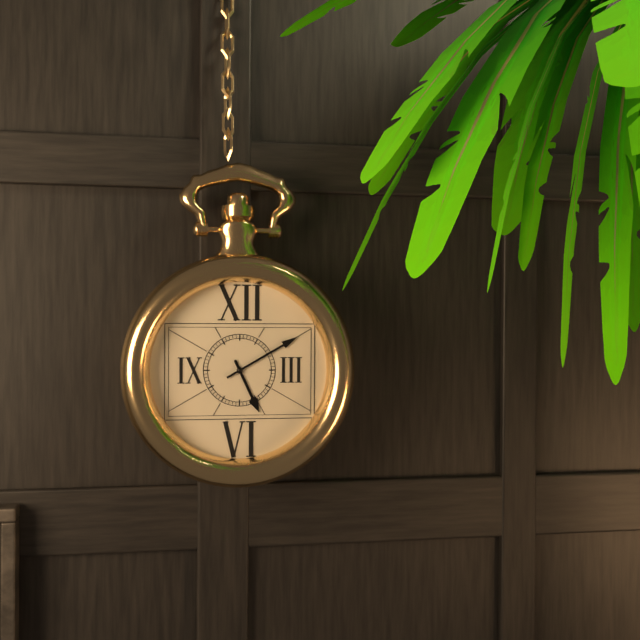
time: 5:10
